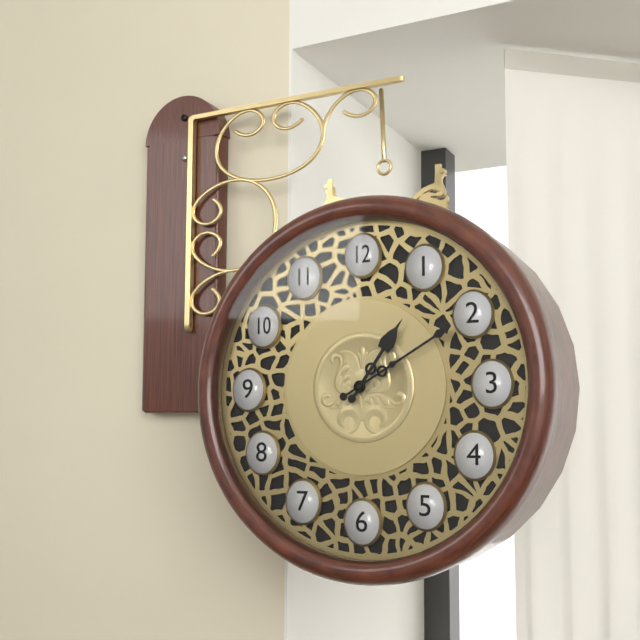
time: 1:10
